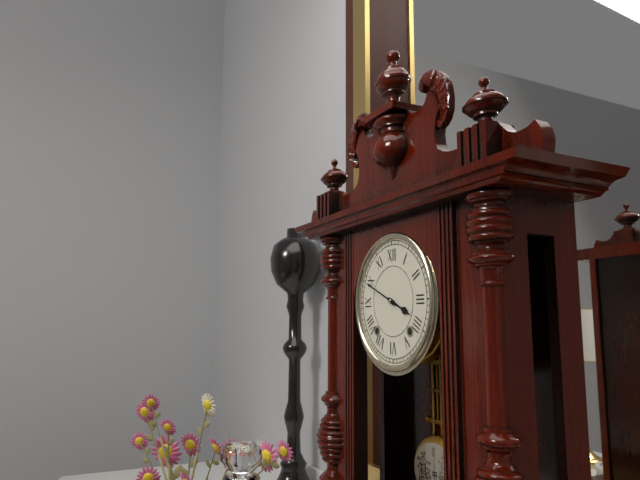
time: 3:49
